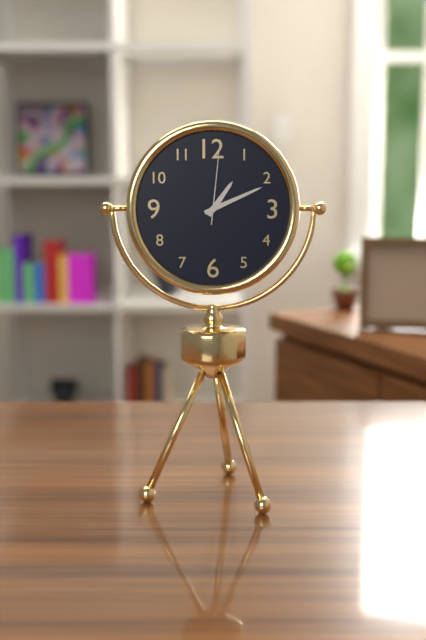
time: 1:11:01
